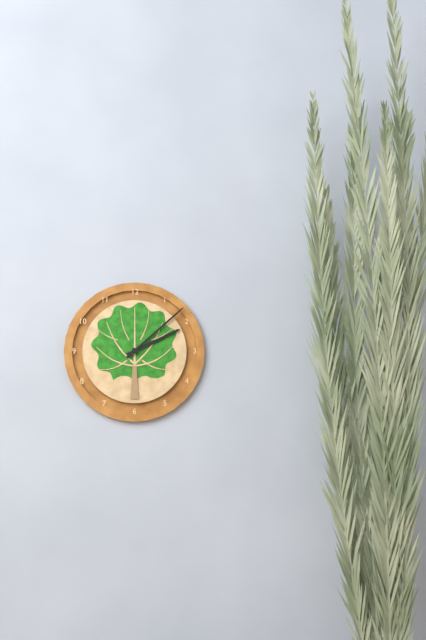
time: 2:08
